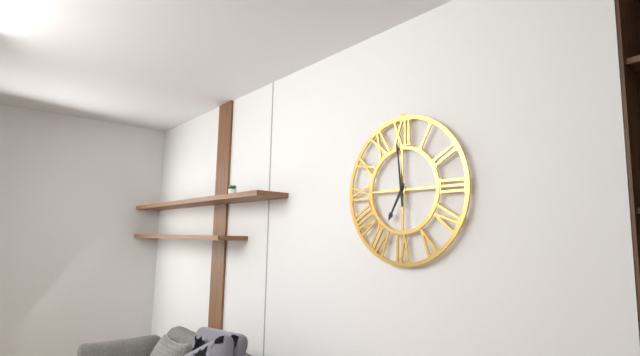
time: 6:59
